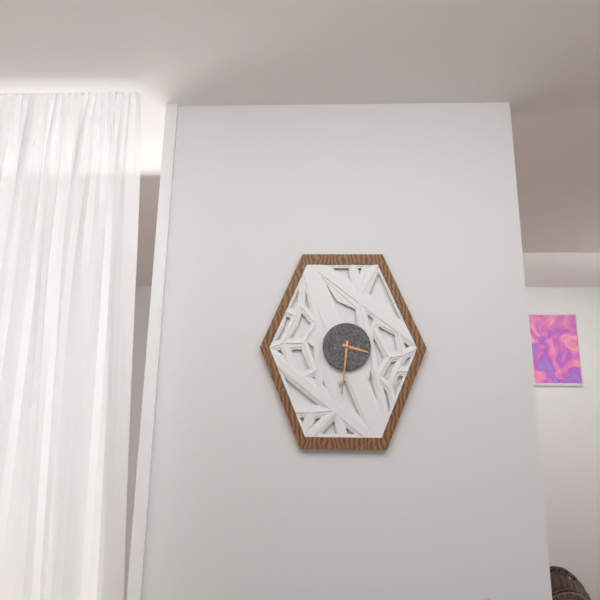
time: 3:31
